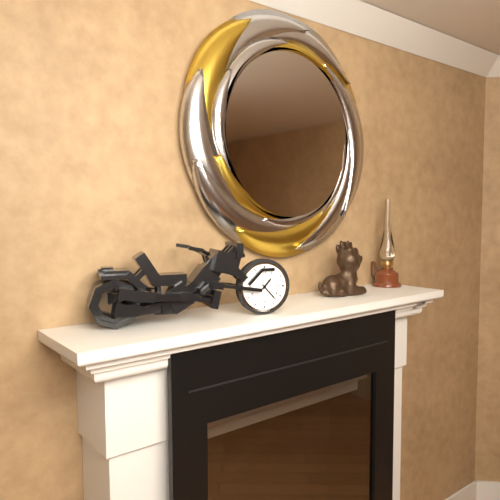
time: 1:23
